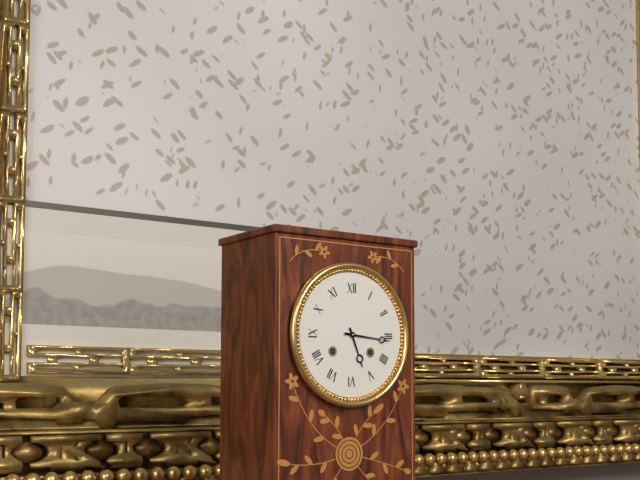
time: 5:16
